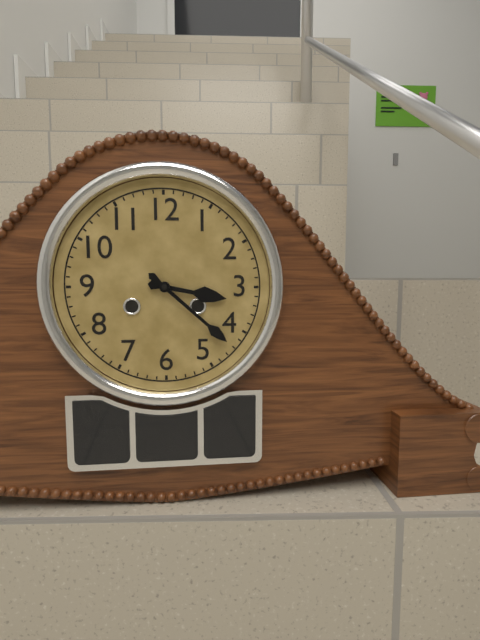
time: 3:22
